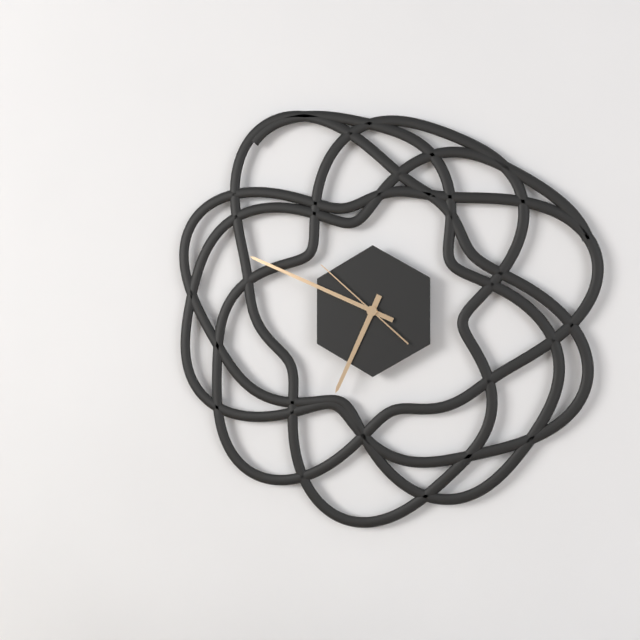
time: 6:49:52
